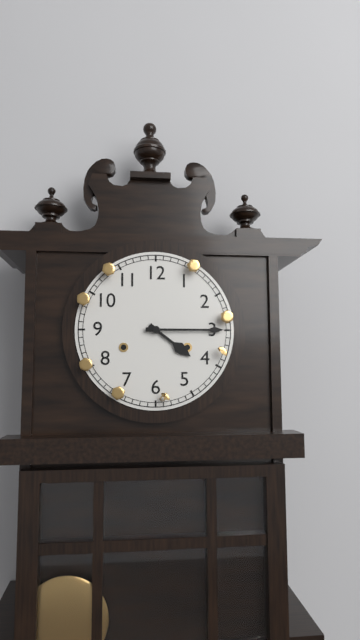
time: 4:15
